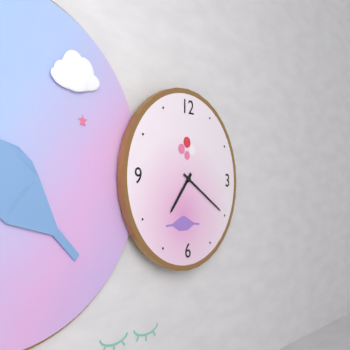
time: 7:20
